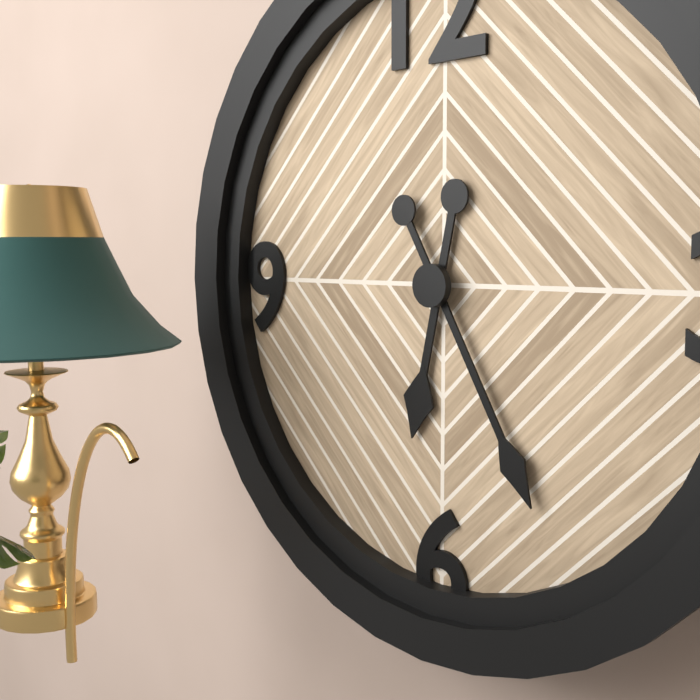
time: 6:25
